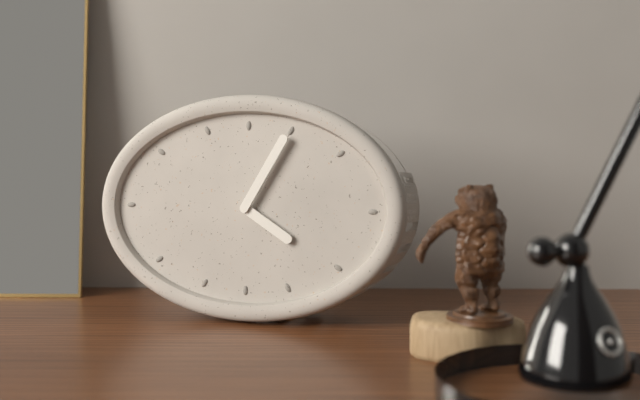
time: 4:05
